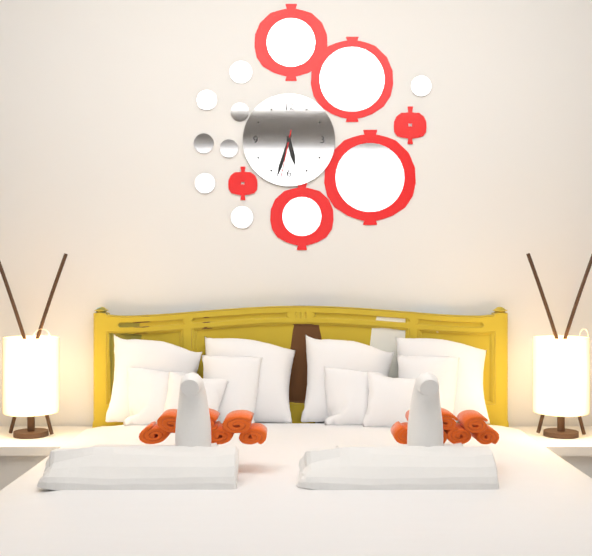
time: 5:33:32
